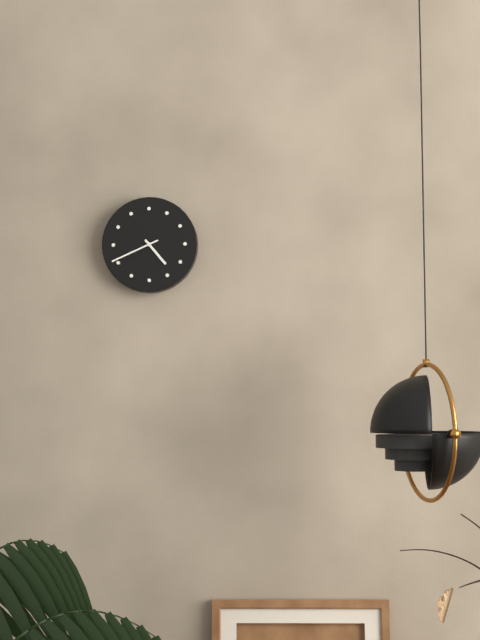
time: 4:41
